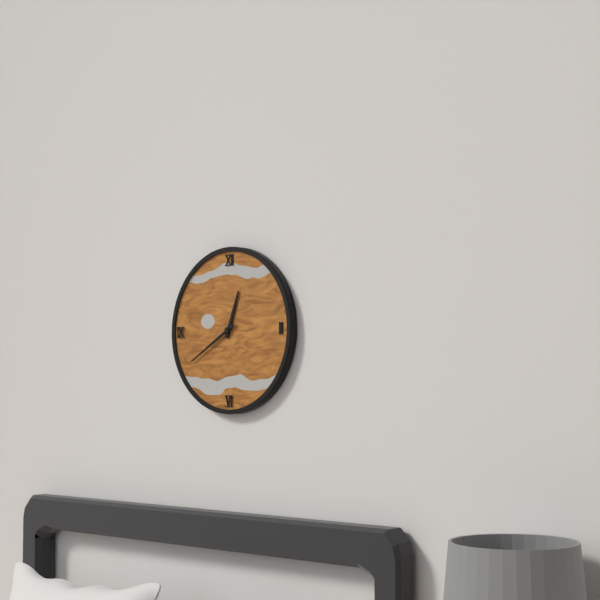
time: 12:40
